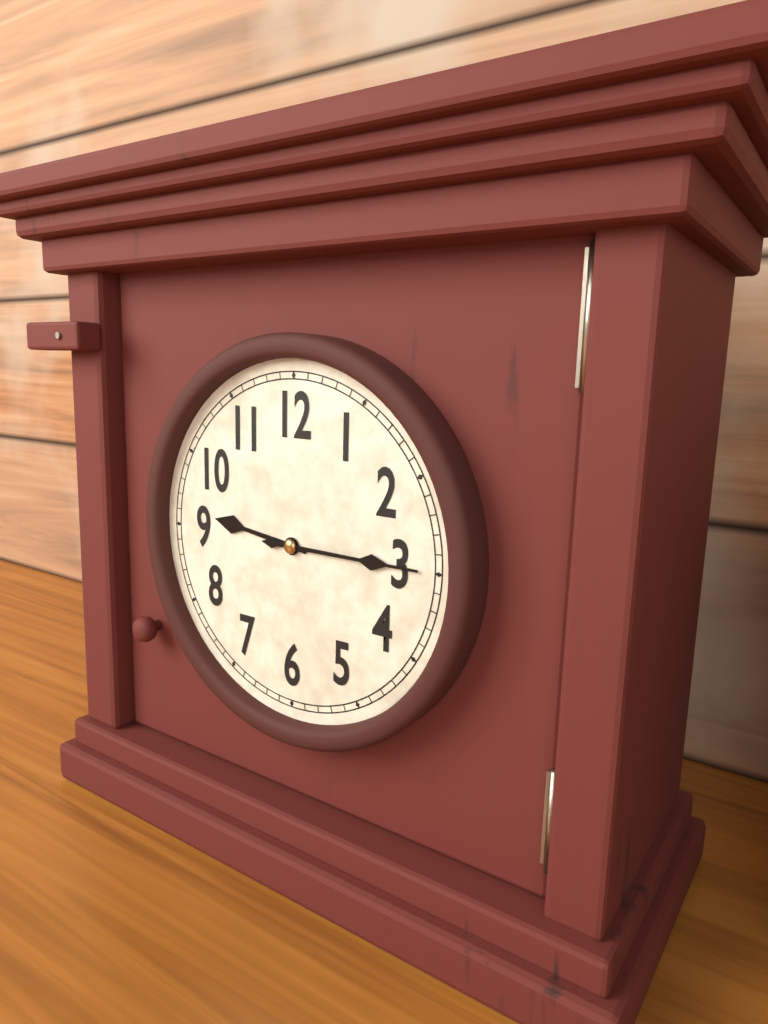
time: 9:15
